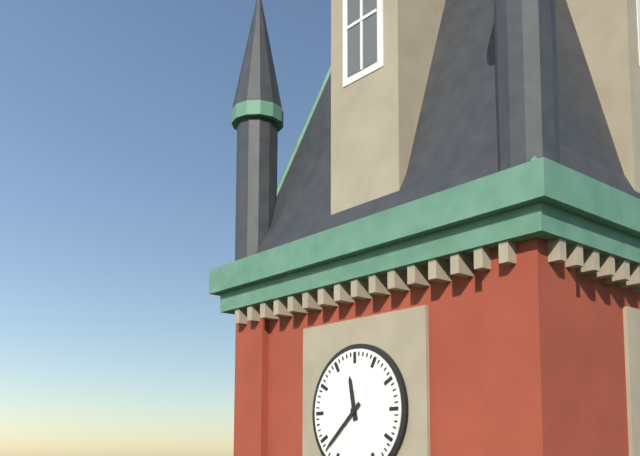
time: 11:38
